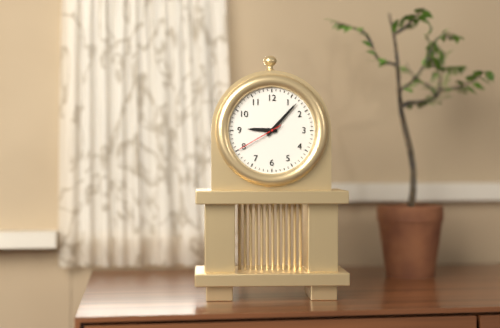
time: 9:07
